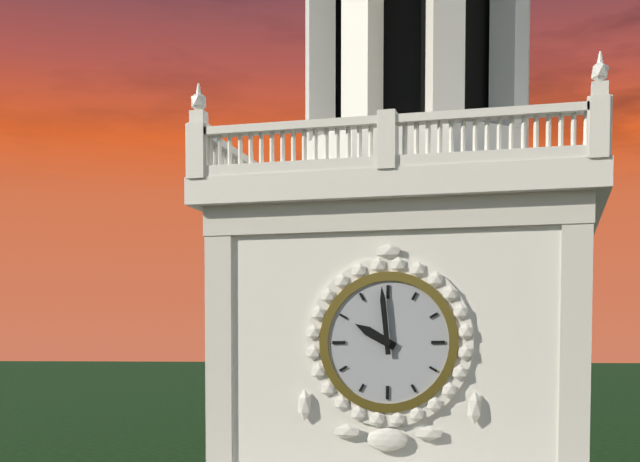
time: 9:59
